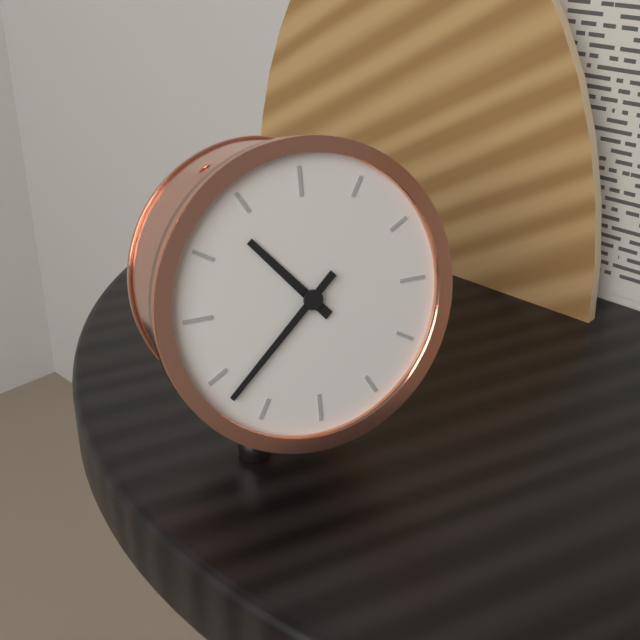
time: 10:38
